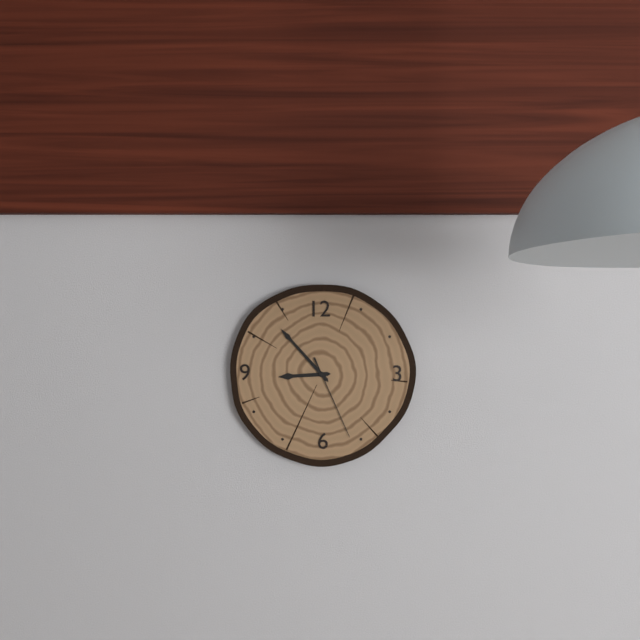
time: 8:53:26
